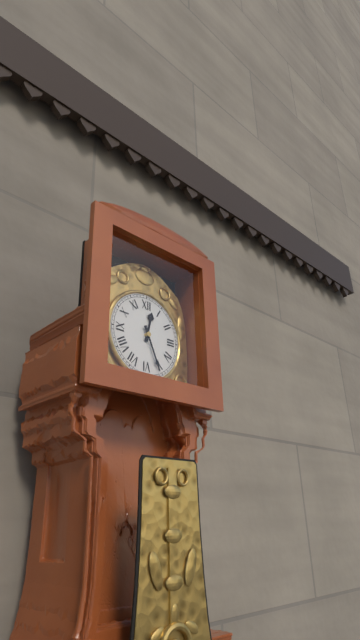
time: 12:26
